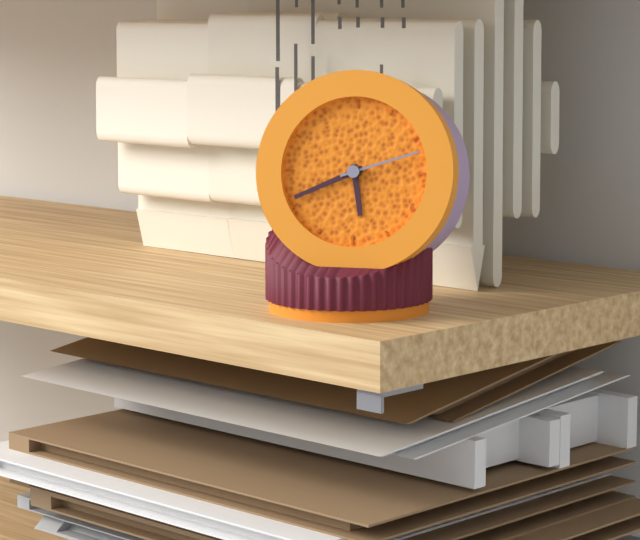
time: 5:41:12
